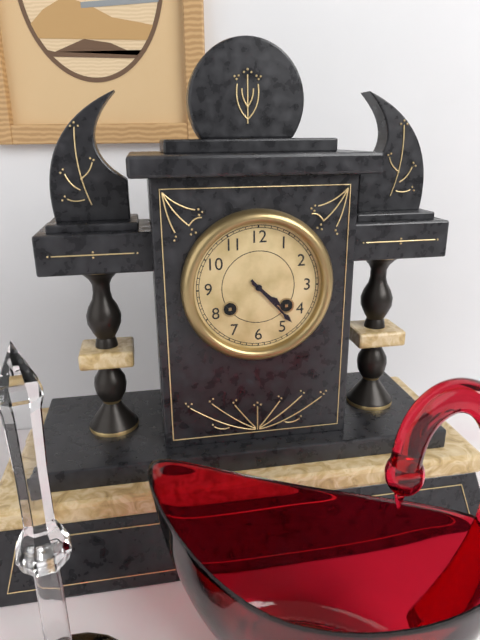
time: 4:23
